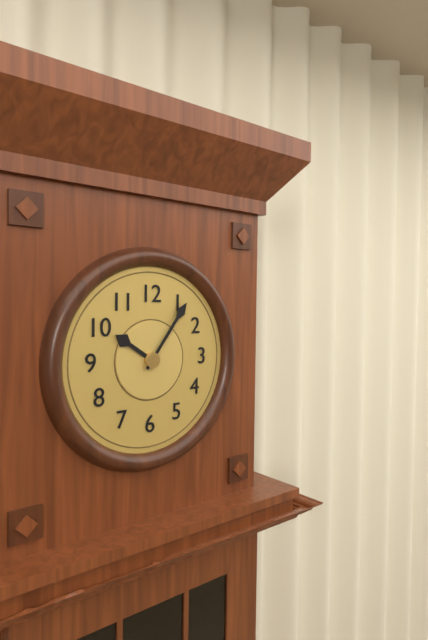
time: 10:06
